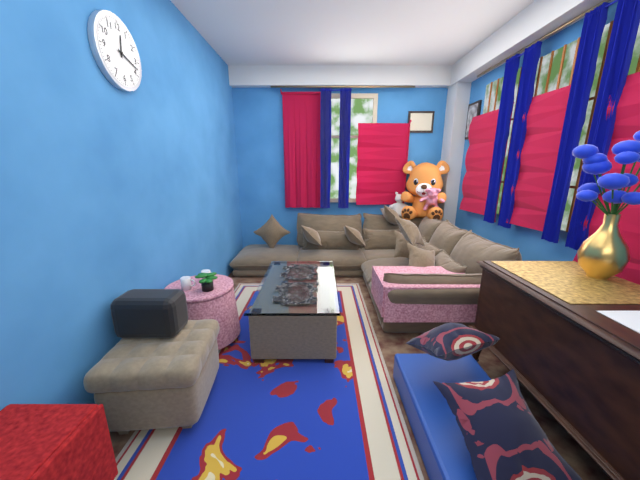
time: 12:18
